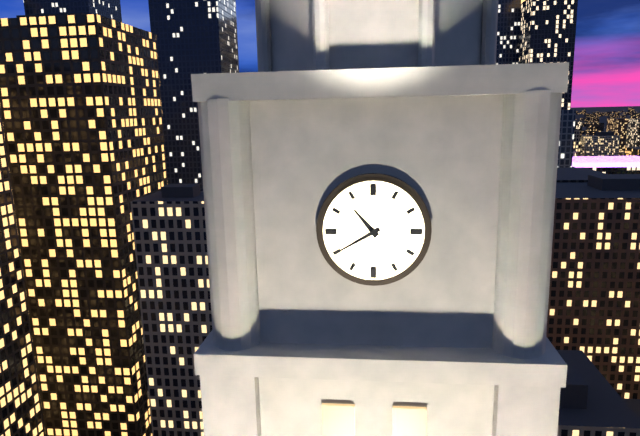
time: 10:40
